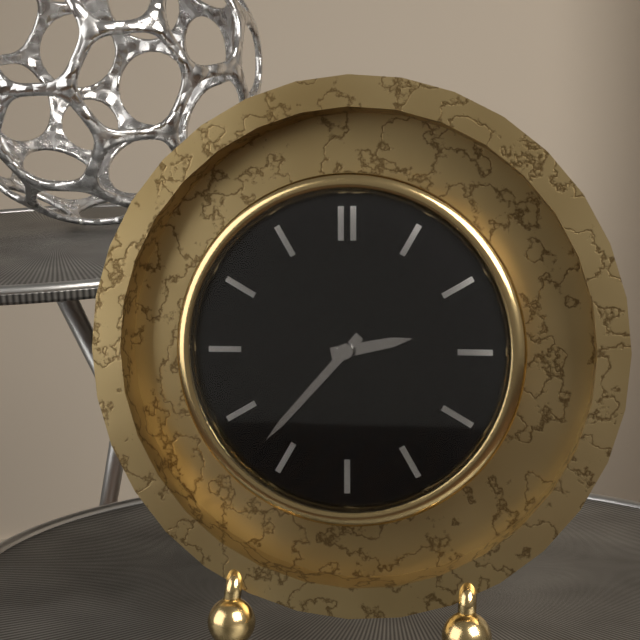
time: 2:37
